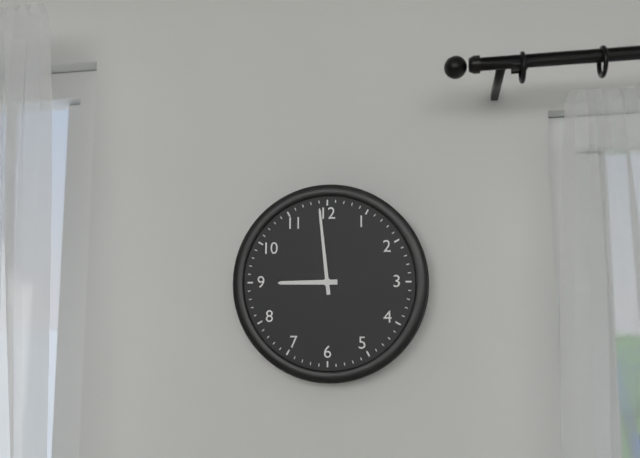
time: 8:59
